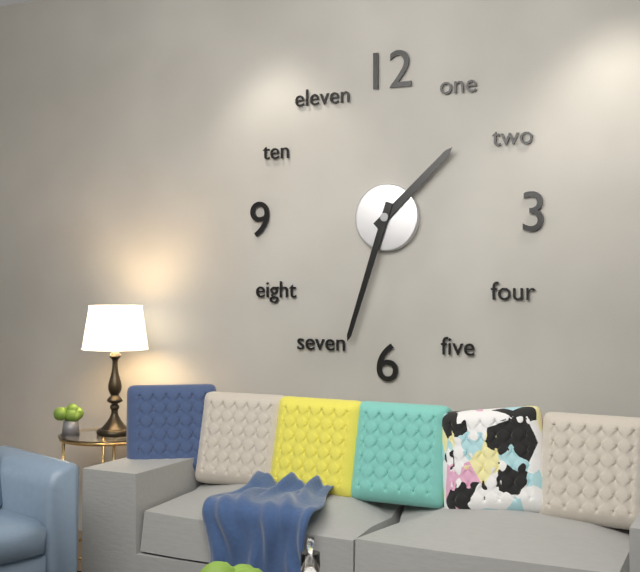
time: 1:33
